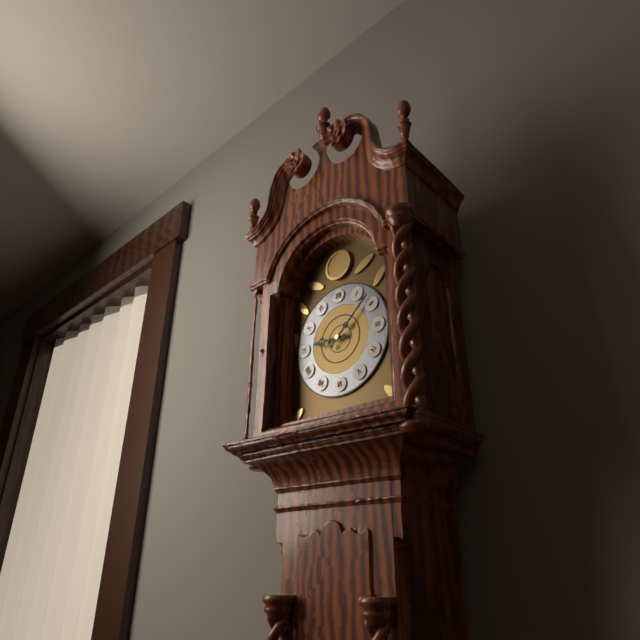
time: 9:08
